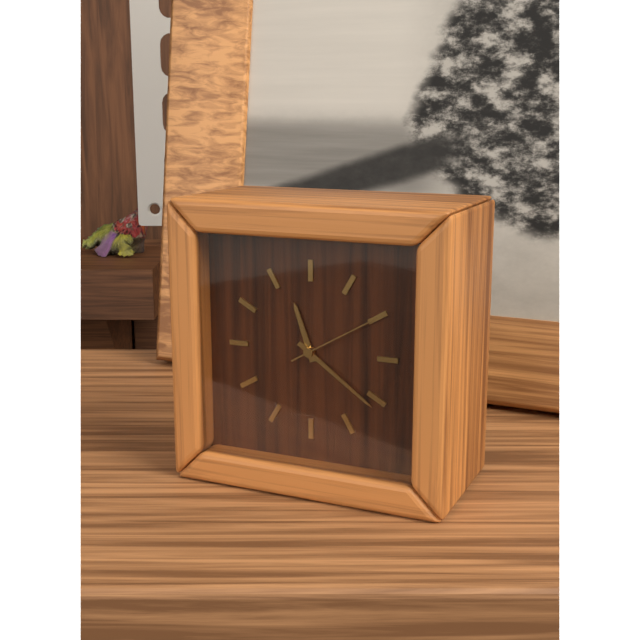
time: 11:21:10
